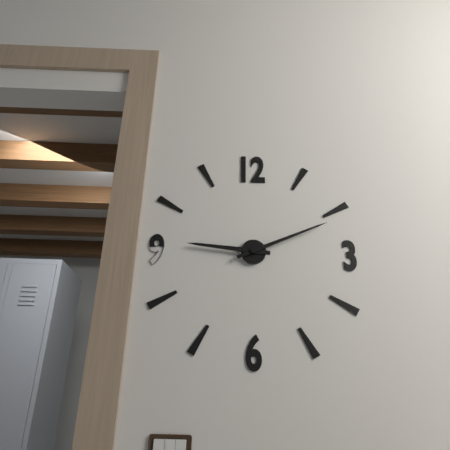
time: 9:11
